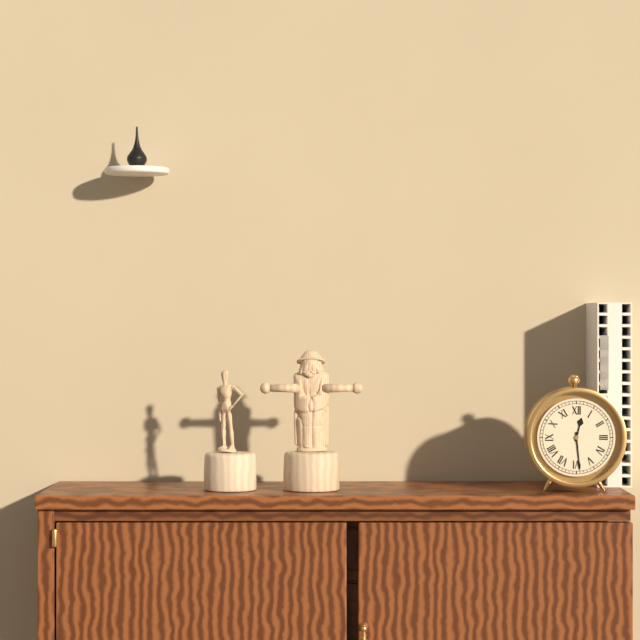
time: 12:29
